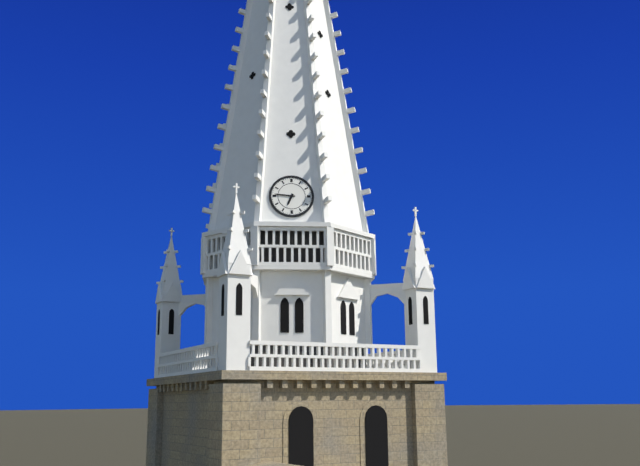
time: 6:46
